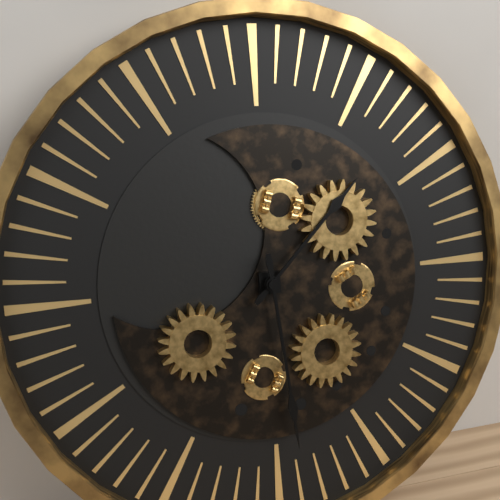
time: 1:29
